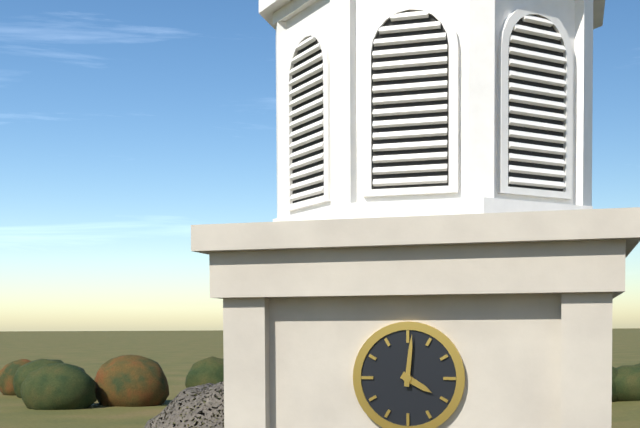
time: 4:01
